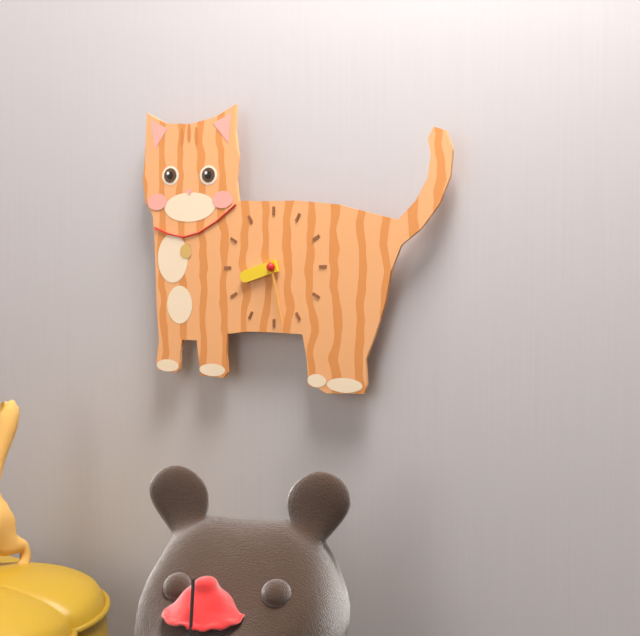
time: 8:28
